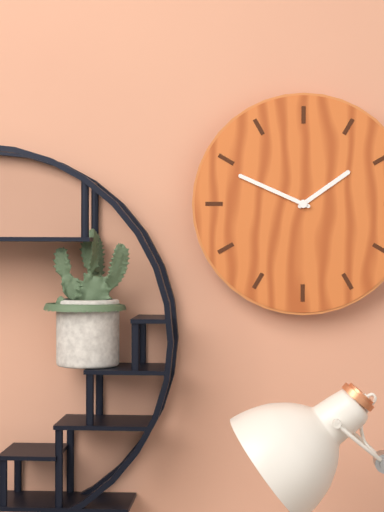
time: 1:49
